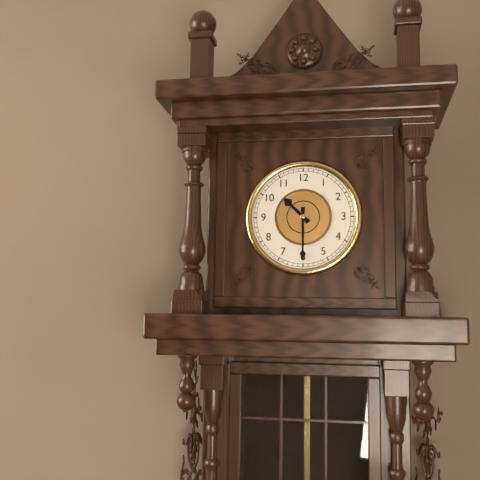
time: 10:30
